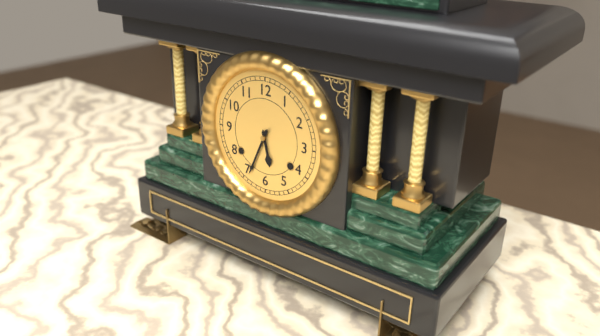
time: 5:34
